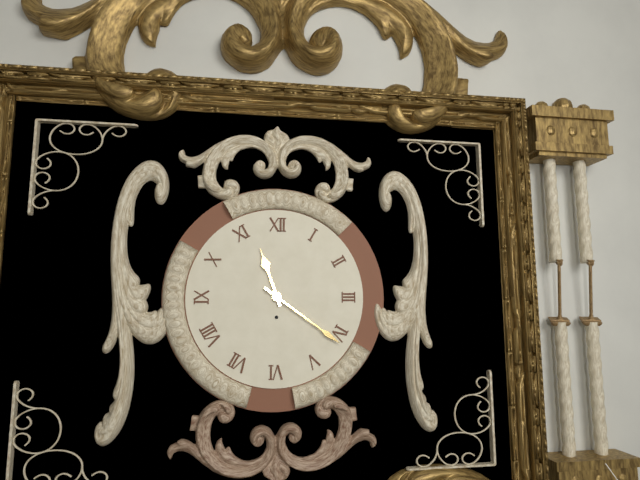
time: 11:21
